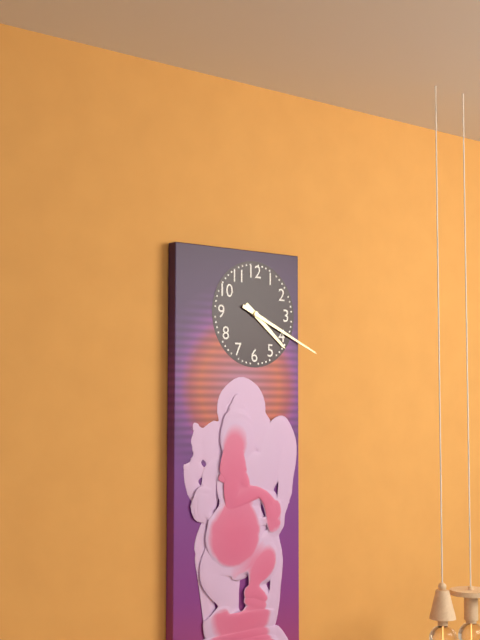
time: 4:19
